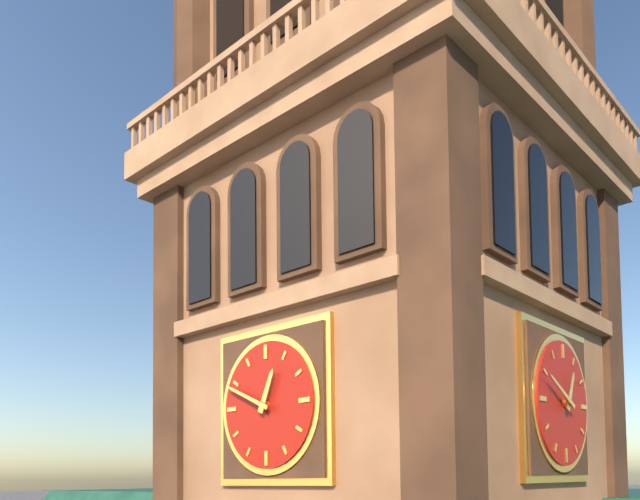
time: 12:49
